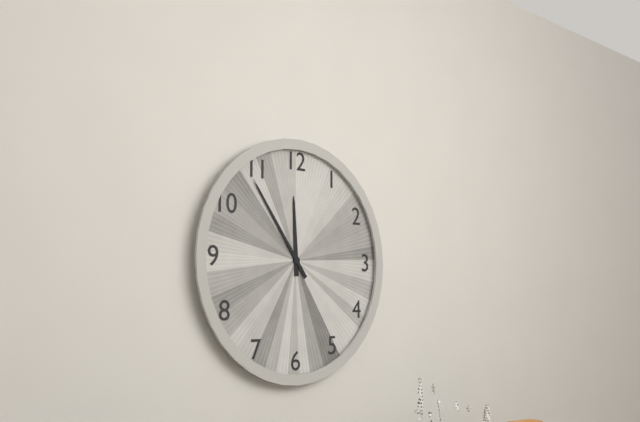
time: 11:54
